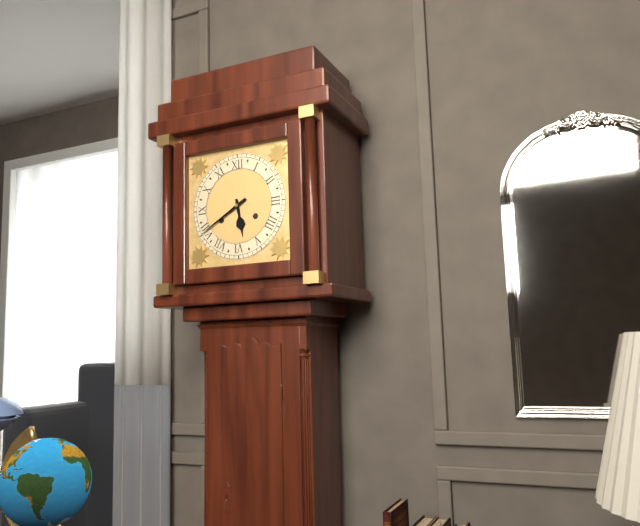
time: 5:40
